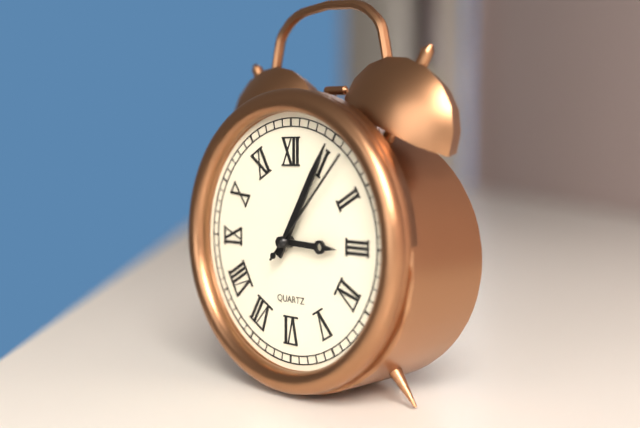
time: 3:05:07
